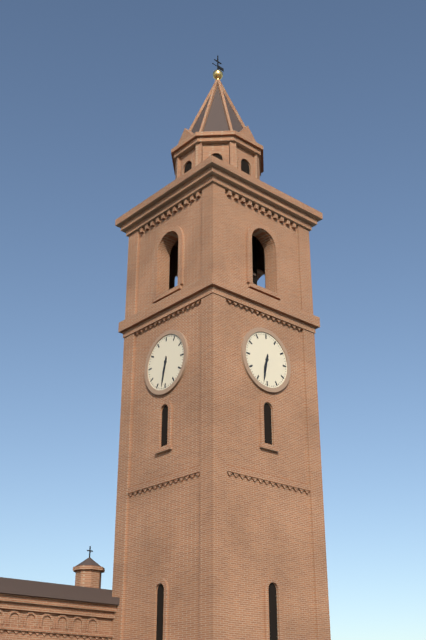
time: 6:32
